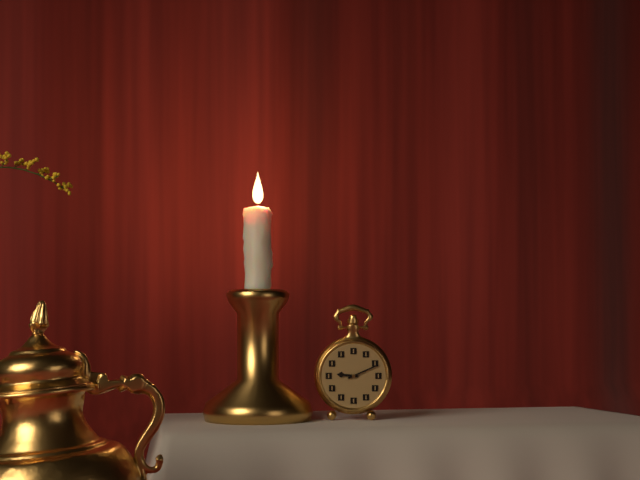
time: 9:11
